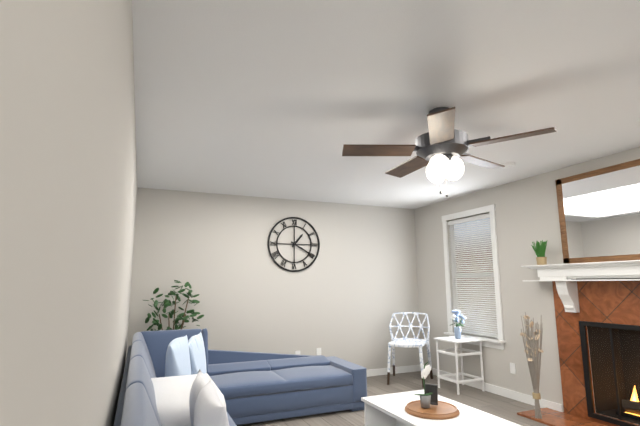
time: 1:20
